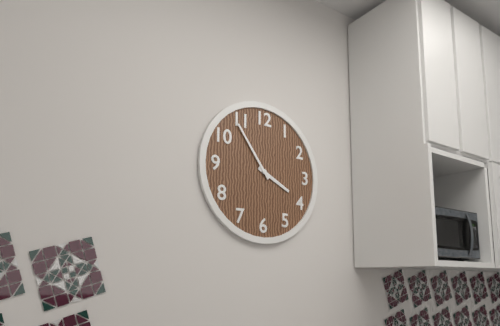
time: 3:54
